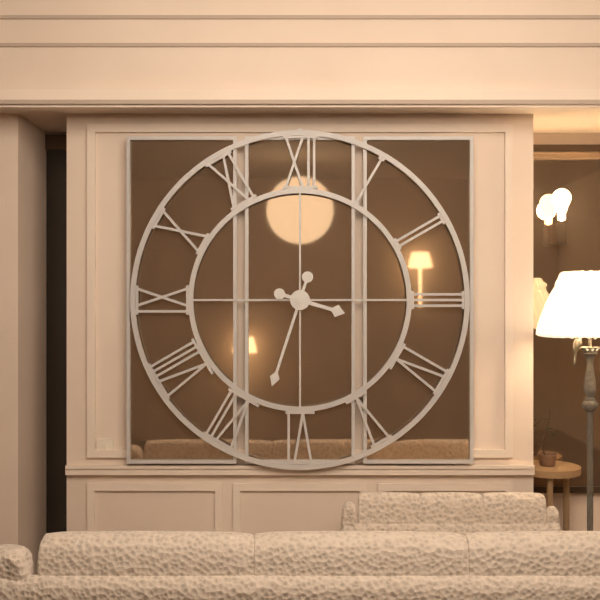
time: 3:33
